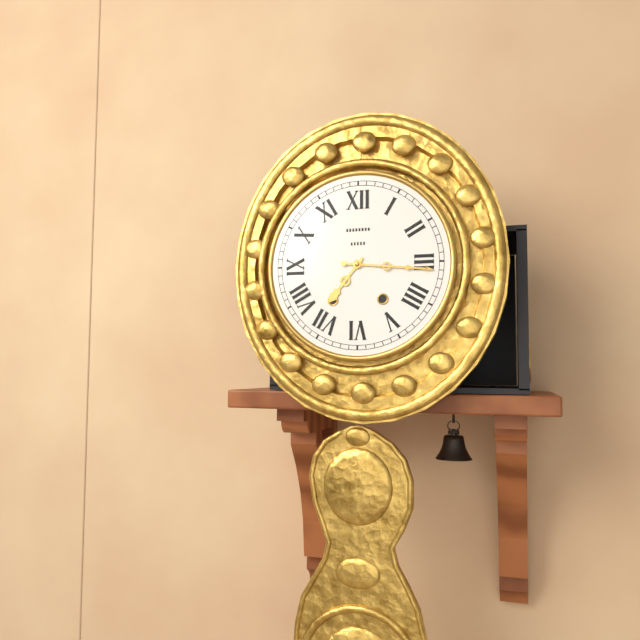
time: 7:16
